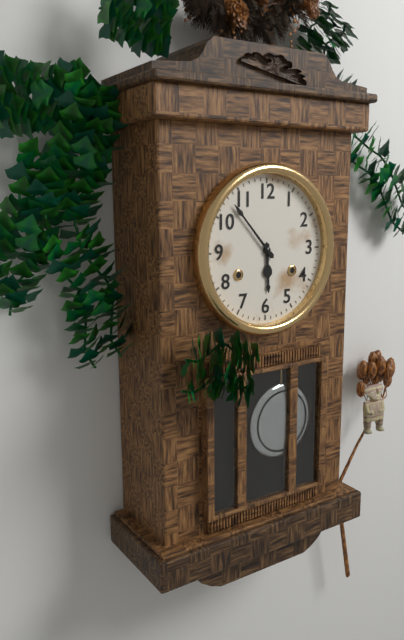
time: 5:53
